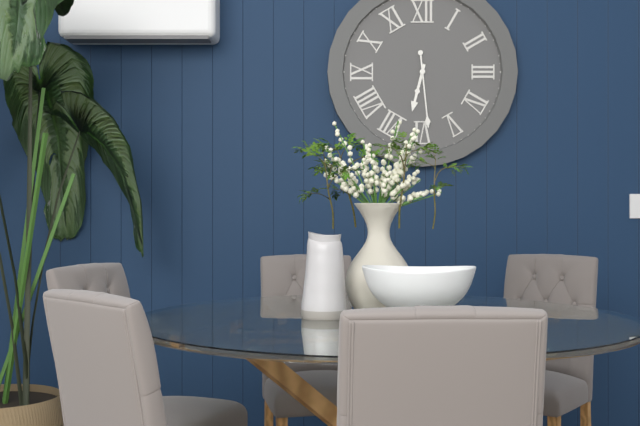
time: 6:29
